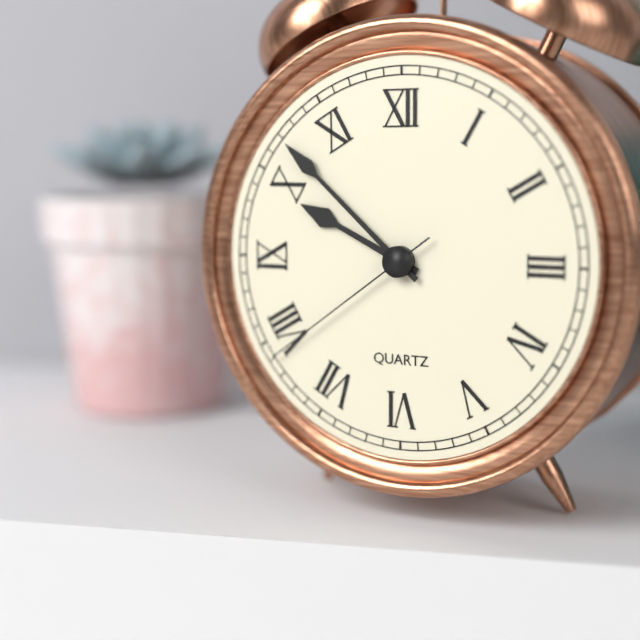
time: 9:52:39
